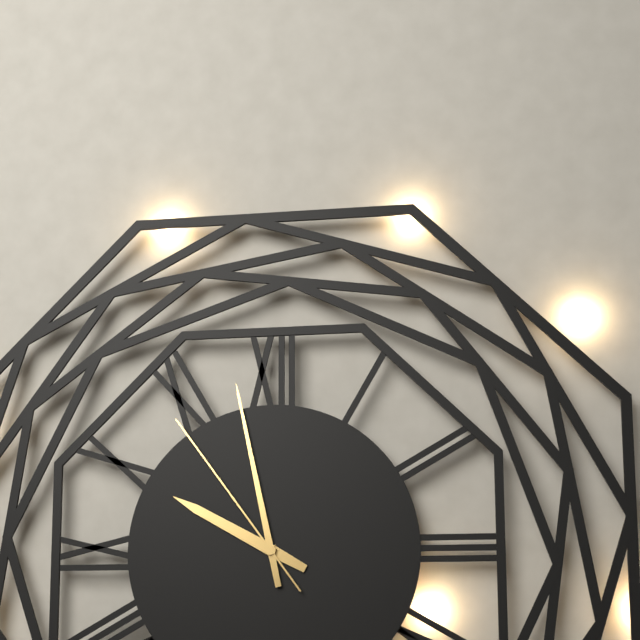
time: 9:58:54
